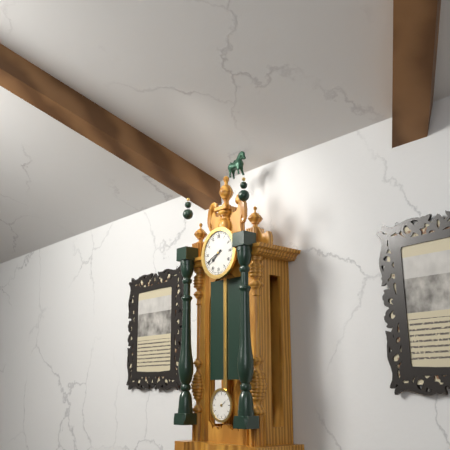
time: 7:41
